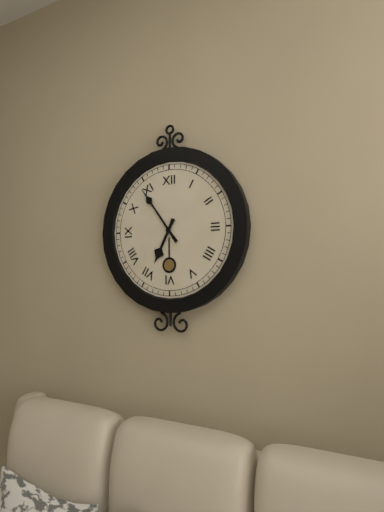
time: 6:54
